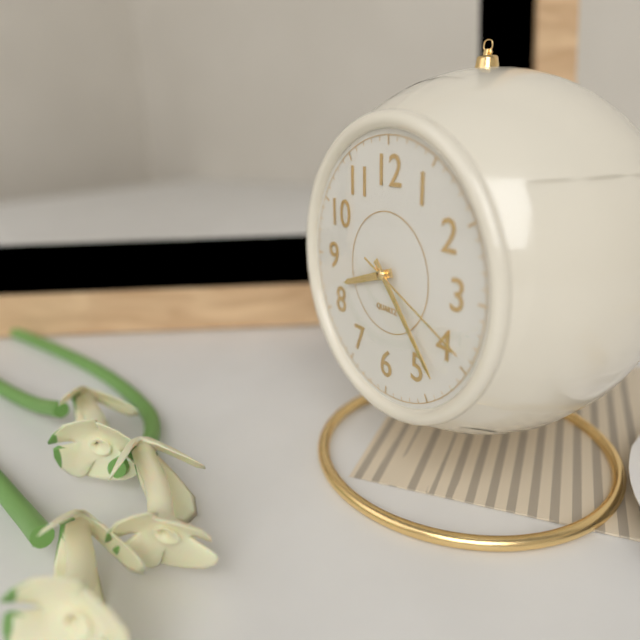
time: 8:23:19
